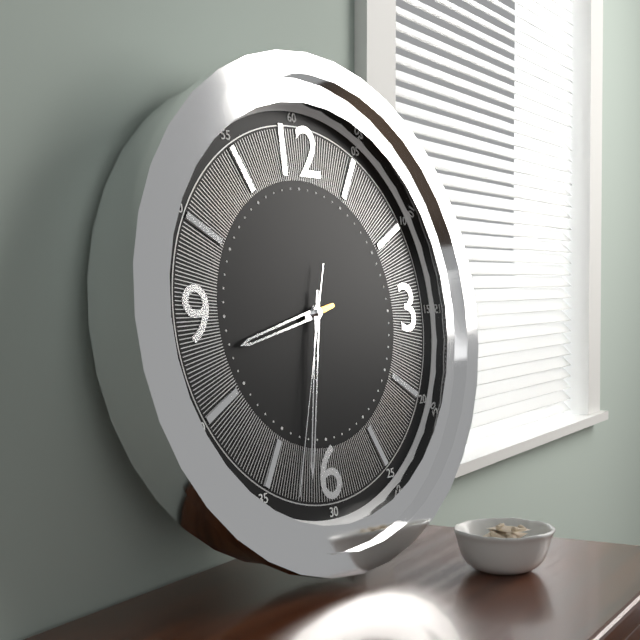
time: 8:32:33
